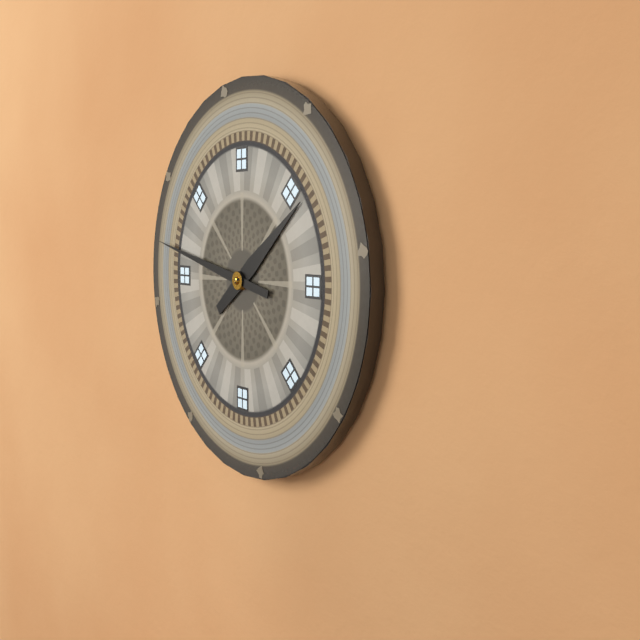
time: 1:47
